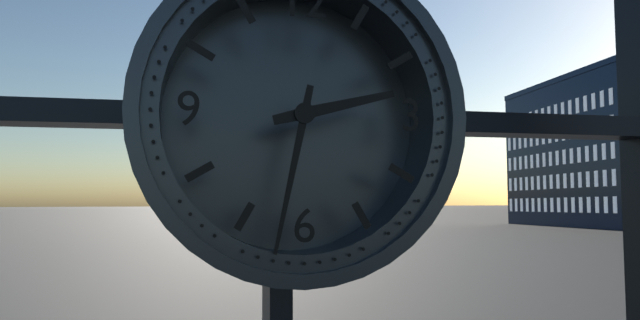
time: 2:32
